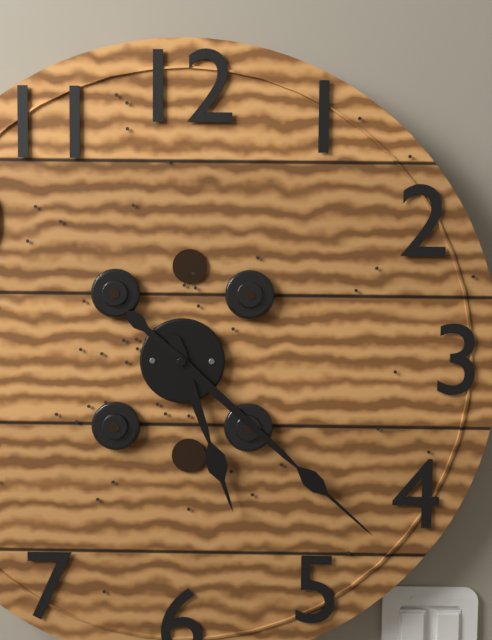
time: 5:22
